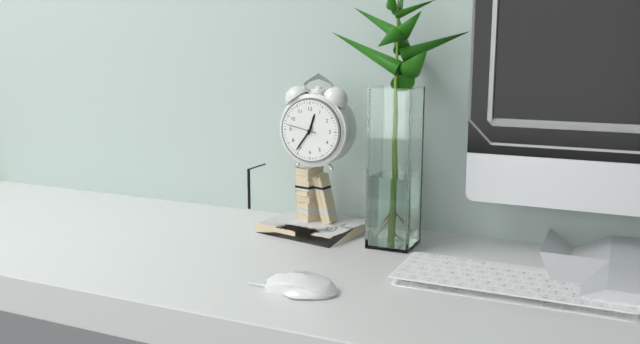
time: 12:36
